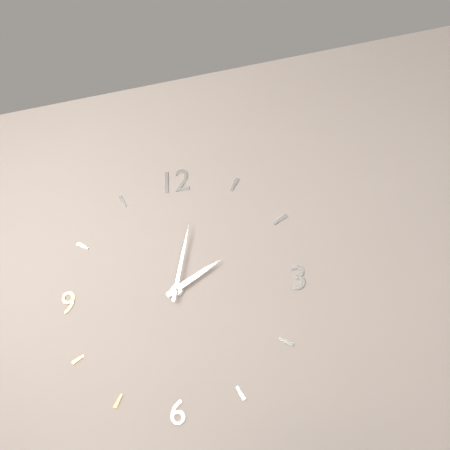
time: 2:02
